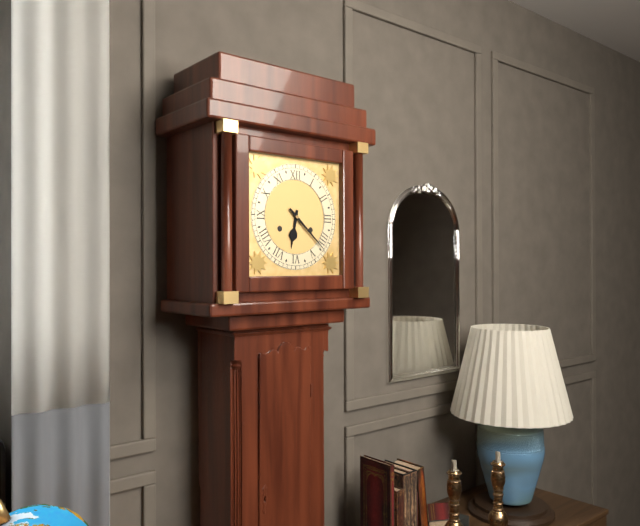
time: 6:22
